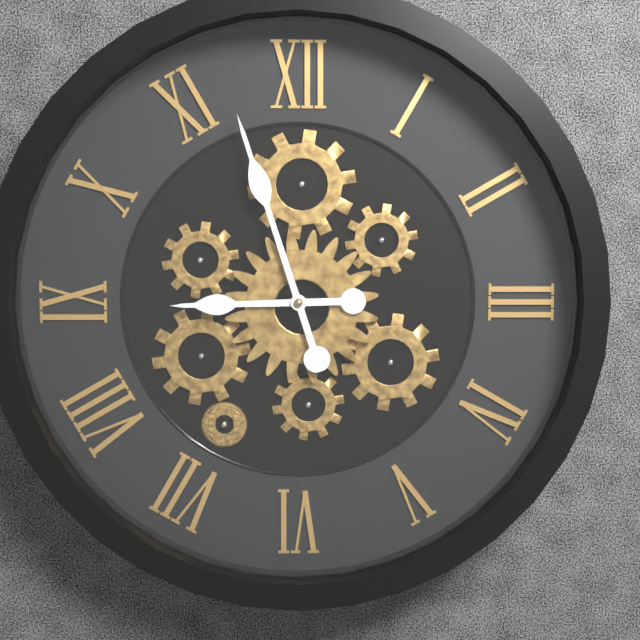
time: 8:57
